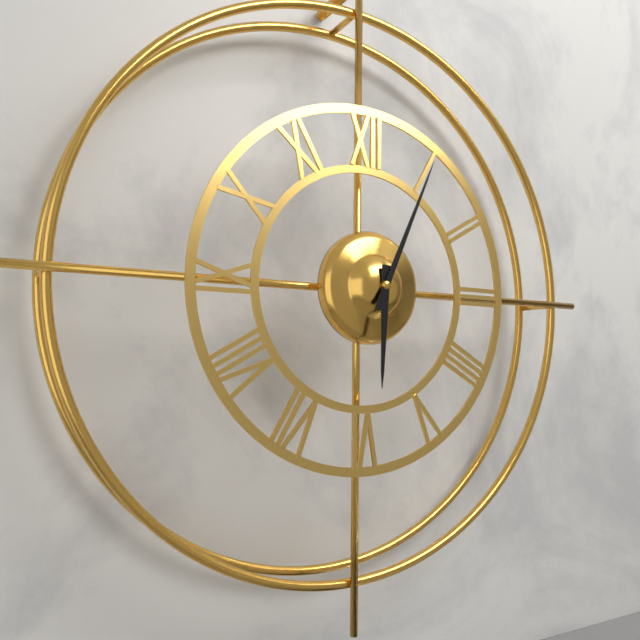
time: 6:04
